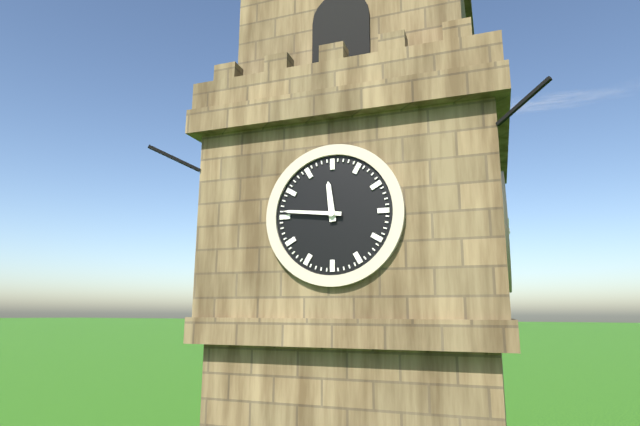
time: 11:46
